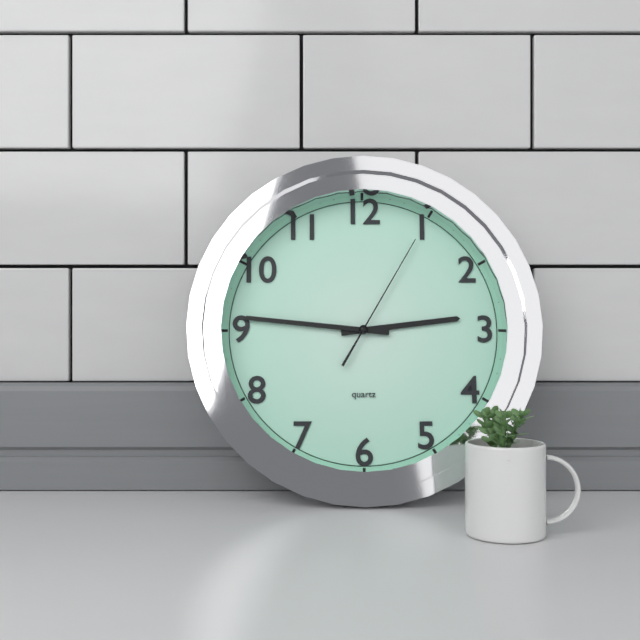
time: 2:46:05
